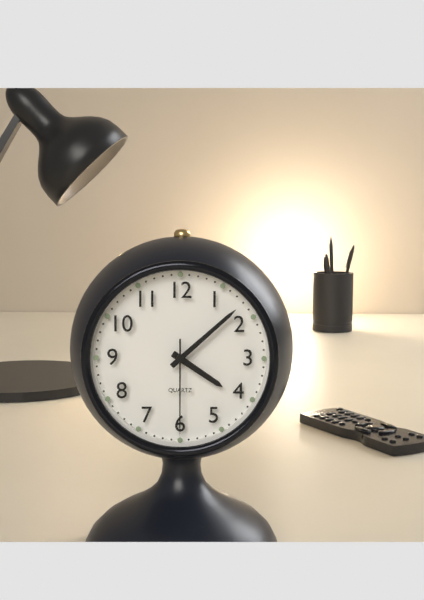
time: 4:08:30
